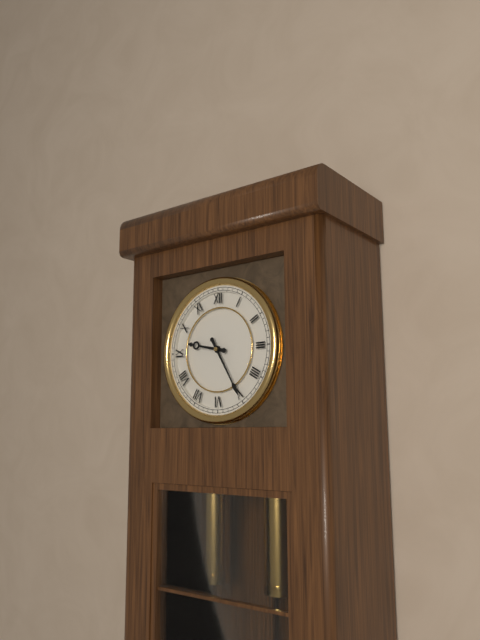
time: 9:25
